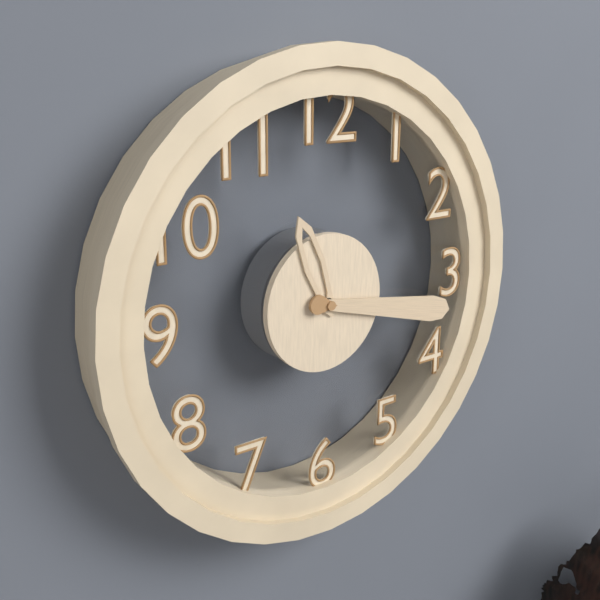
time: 11:17
